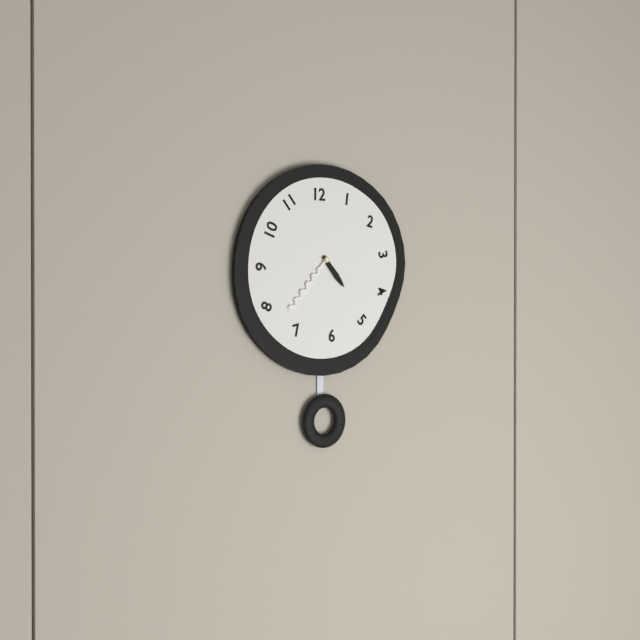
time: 4:37
